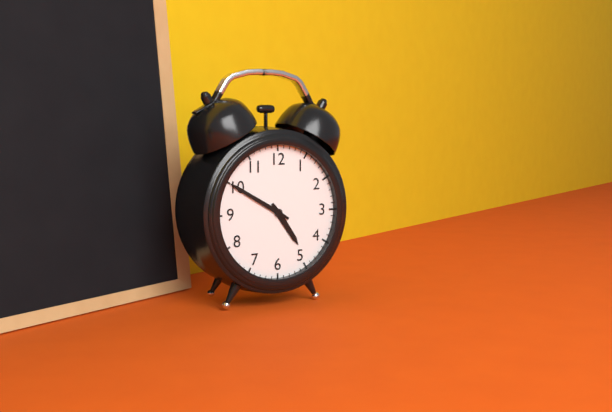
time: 4:50
